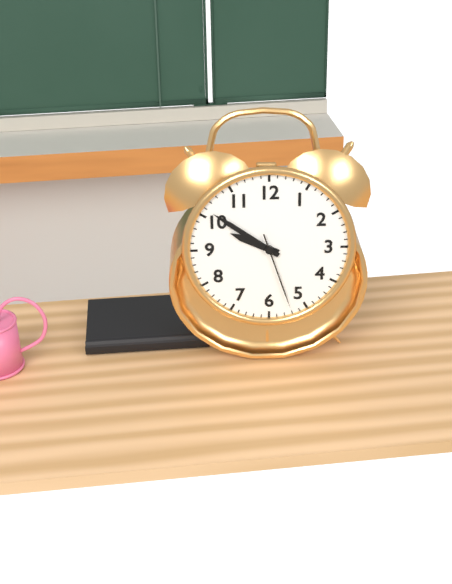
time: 9:51:27
